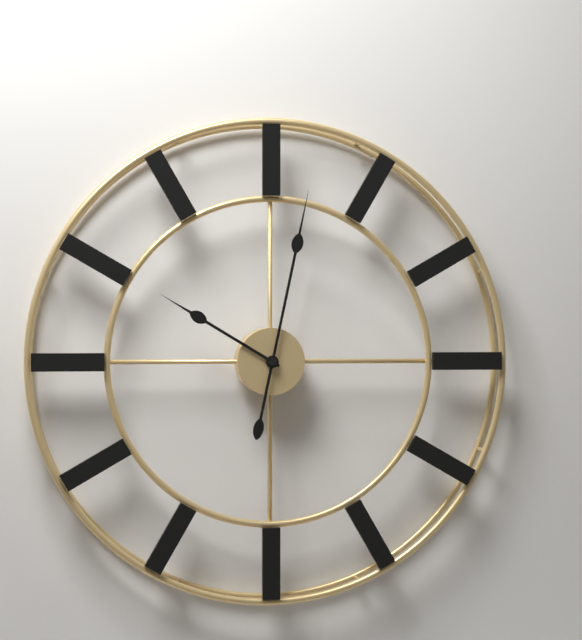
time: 10:02
